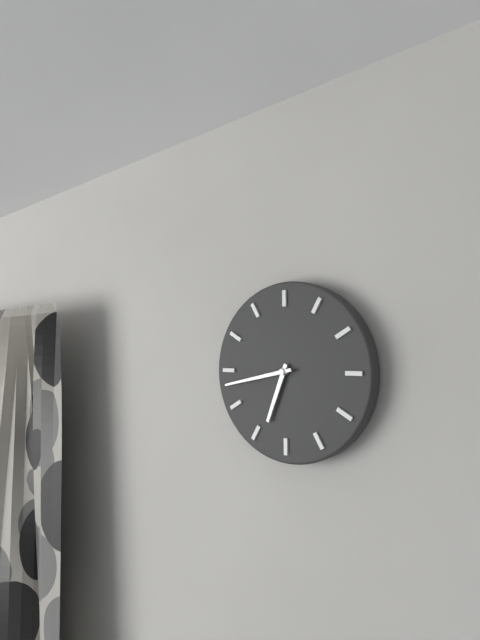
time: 6:43
